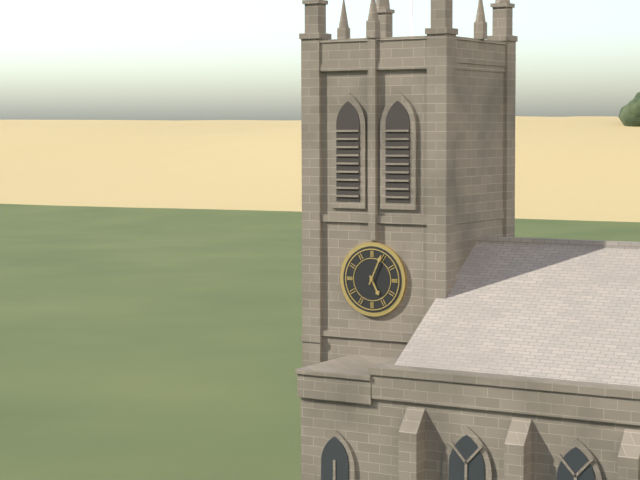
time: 5:04
